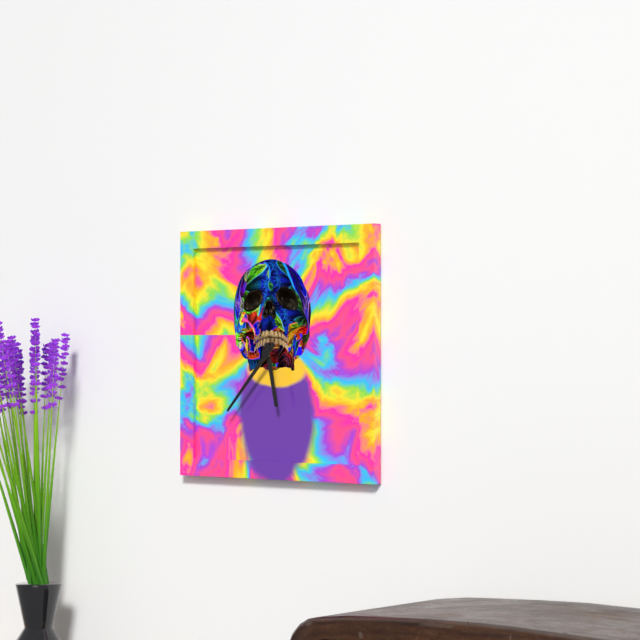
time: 5:37
